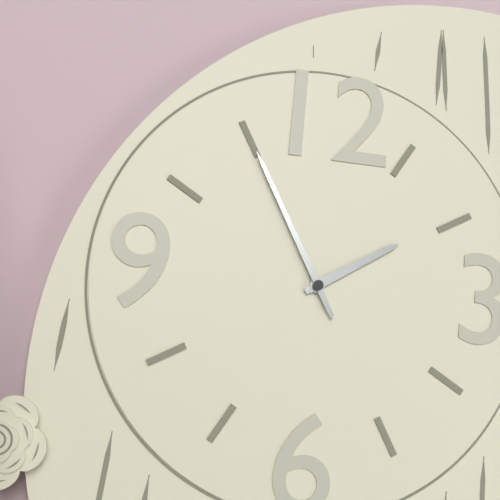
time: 1:55
